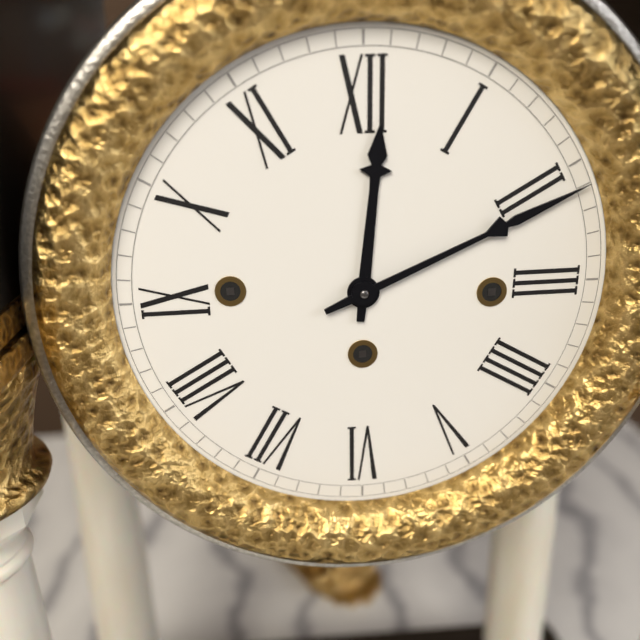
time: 12:11
